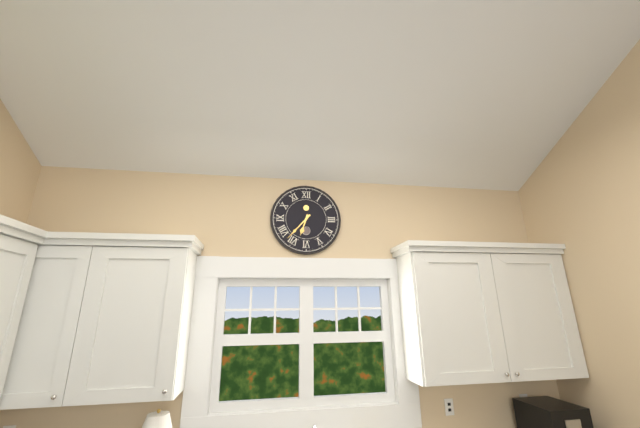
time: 6:37
